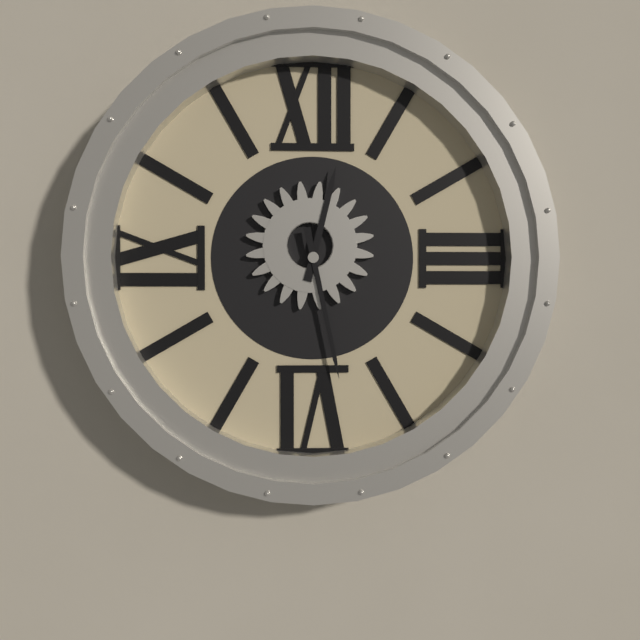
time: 12:28
